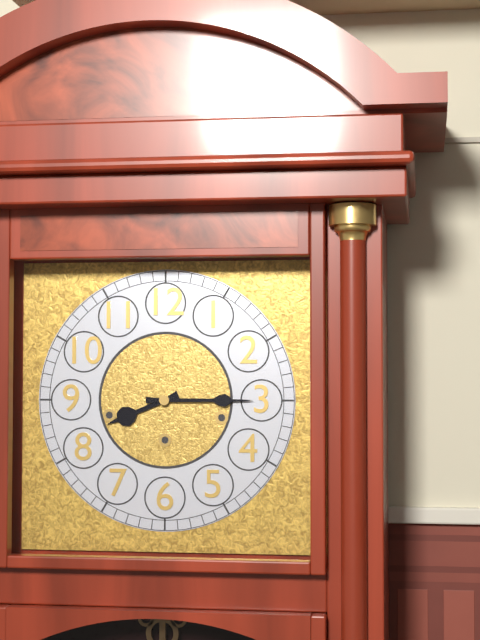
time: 8:15
